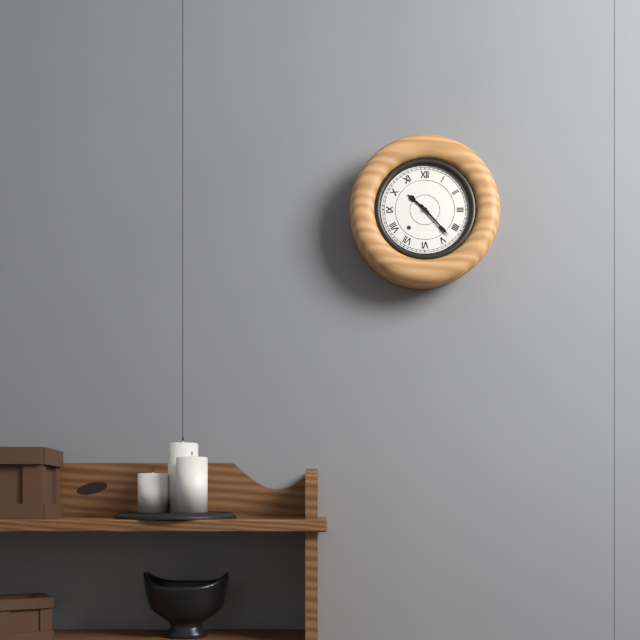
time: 10:23
